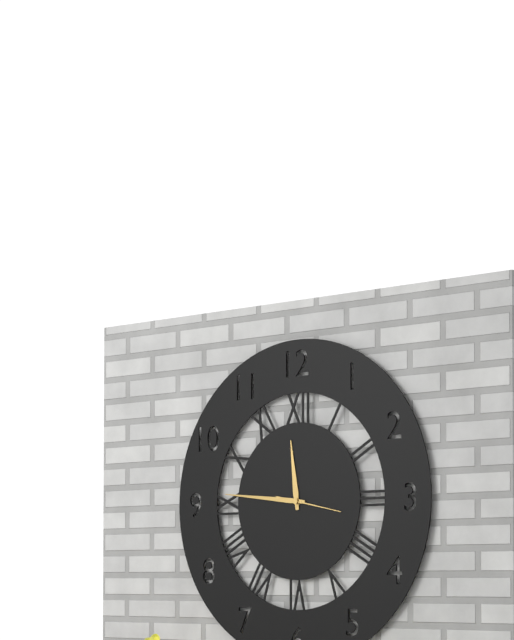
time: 11:46:17
